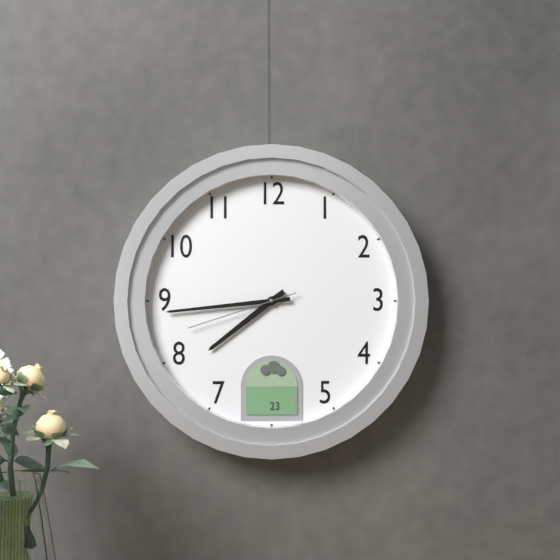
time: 7:44:42
